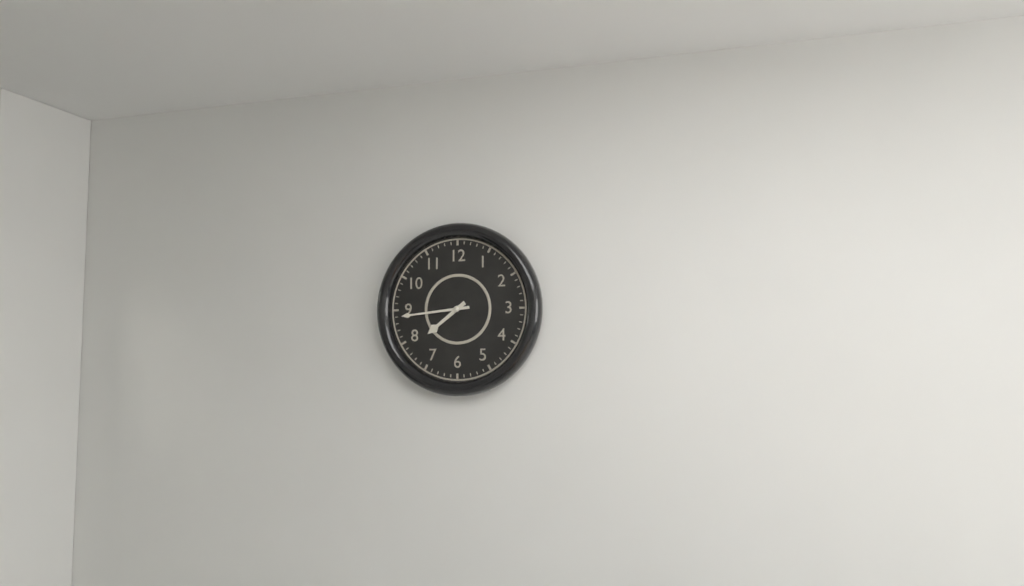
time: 7:44
